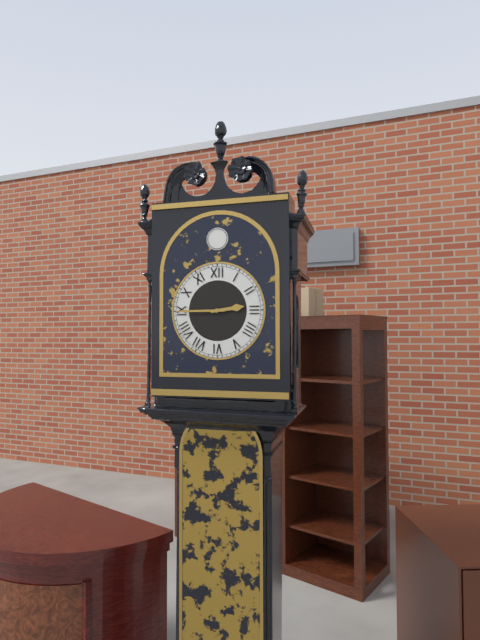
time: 2:45
